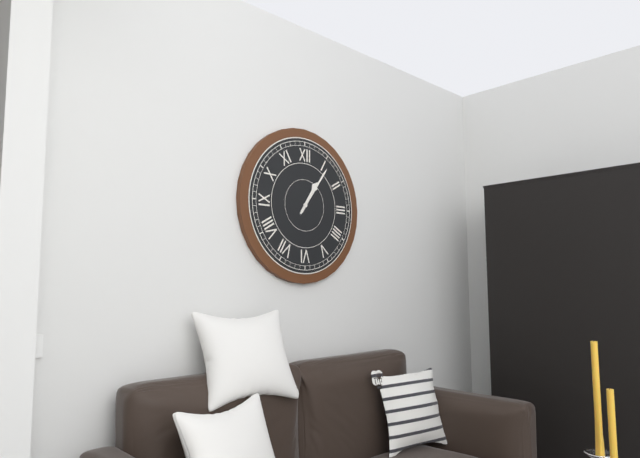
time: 1:06
